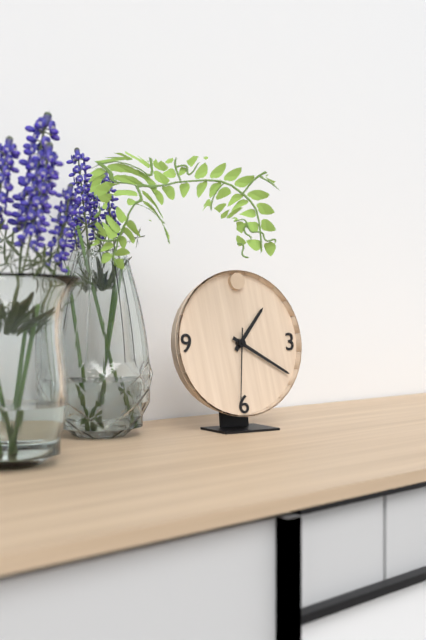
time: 1:20:31
